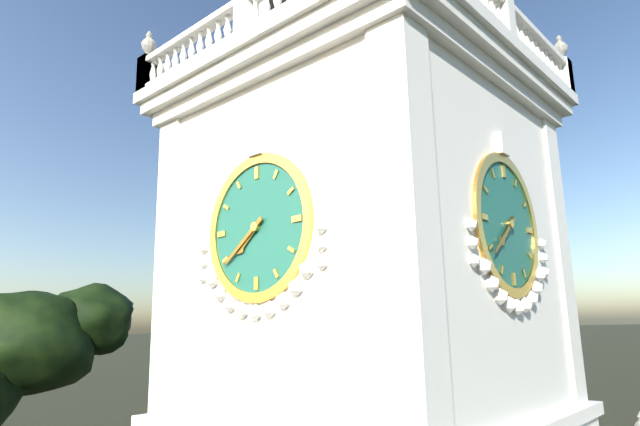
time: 7:39
